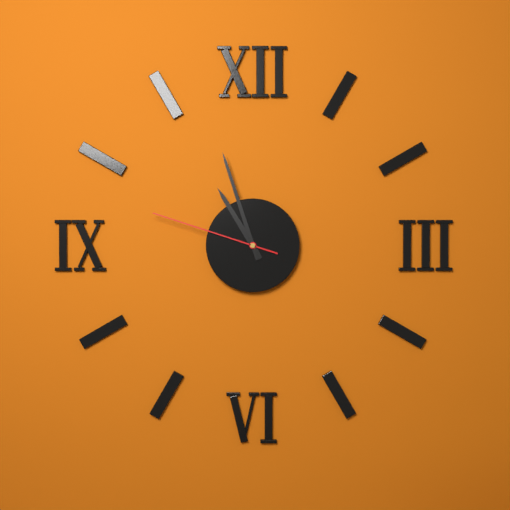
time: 10:57:48
